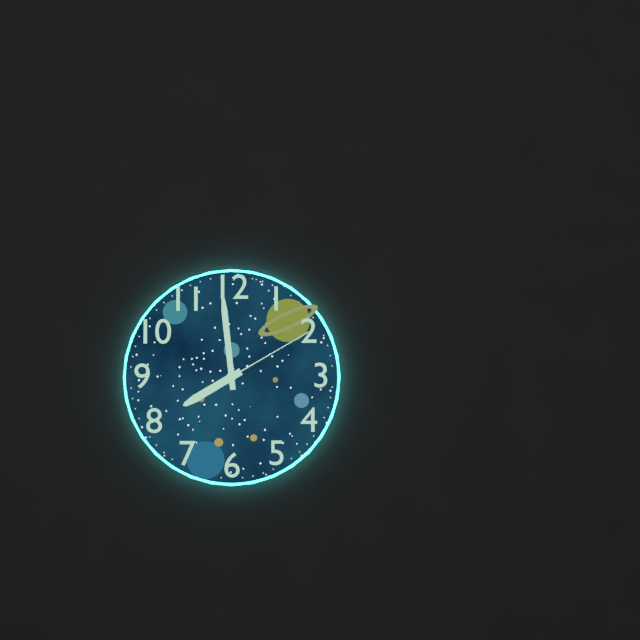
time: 7:59:10
